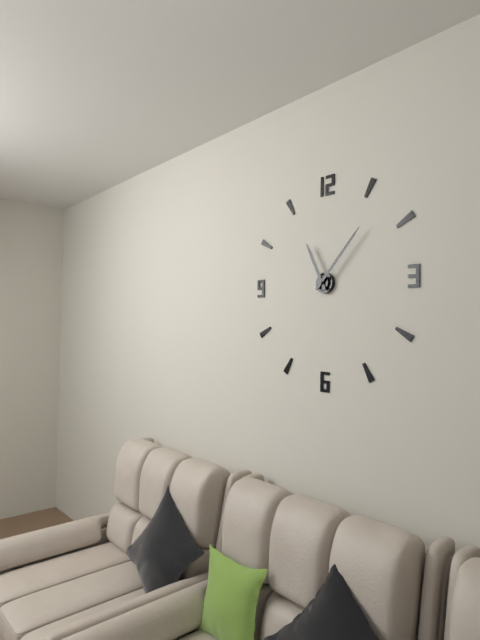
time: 11:07
